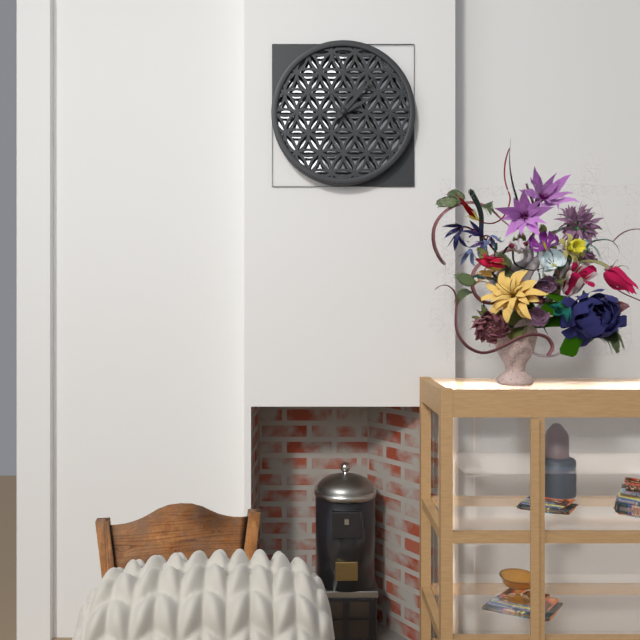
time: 2:07
